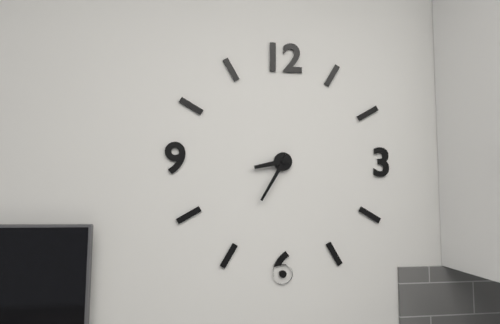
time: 8:35
